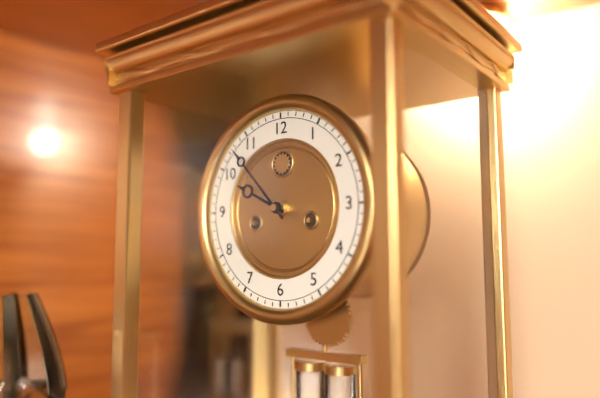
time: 9:53
